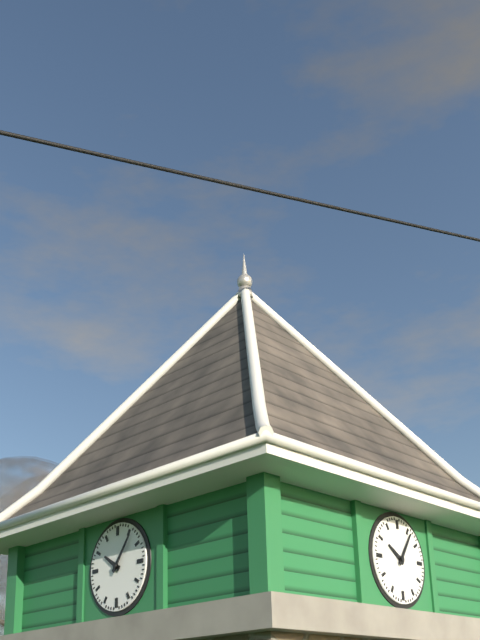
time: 10:06
